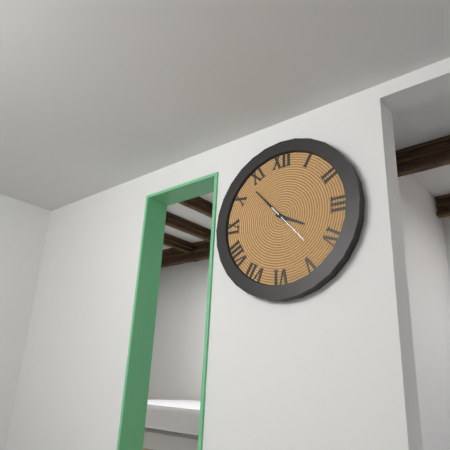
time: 3:53
